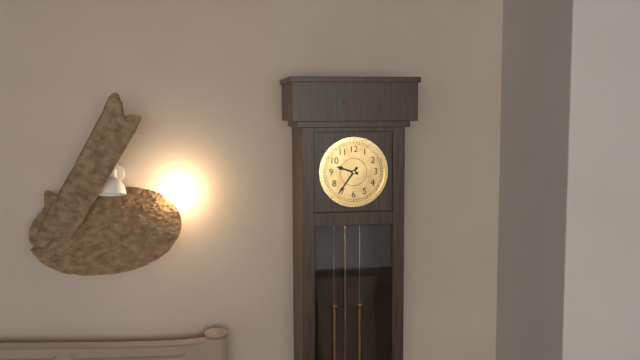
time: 9:36
